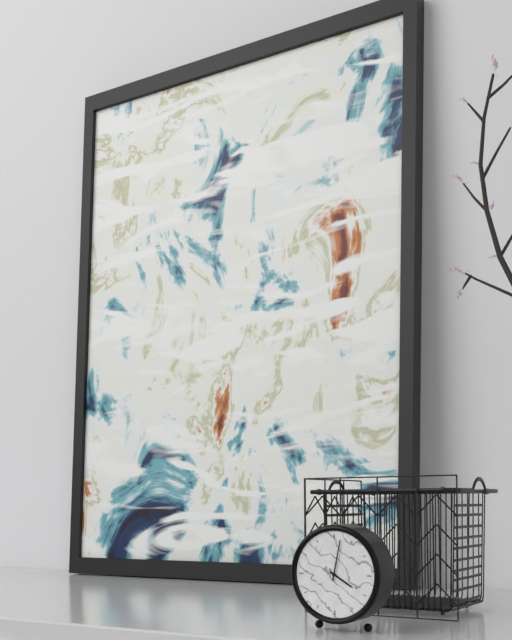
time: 4:02
